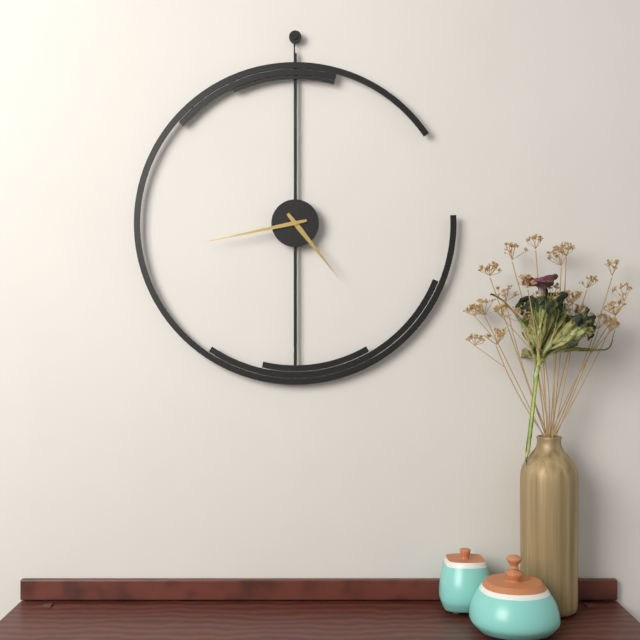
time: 4:43
